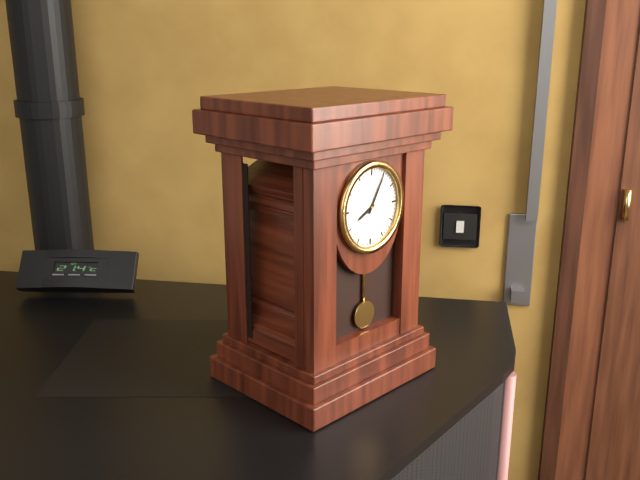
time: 8:05
